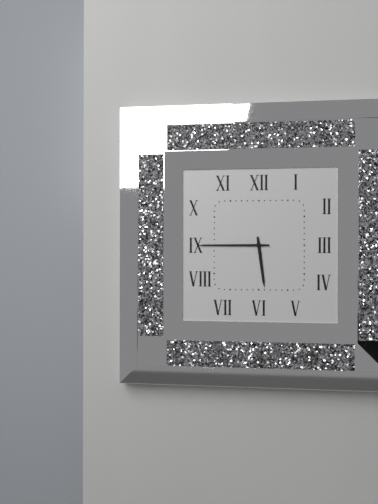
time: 5:45
